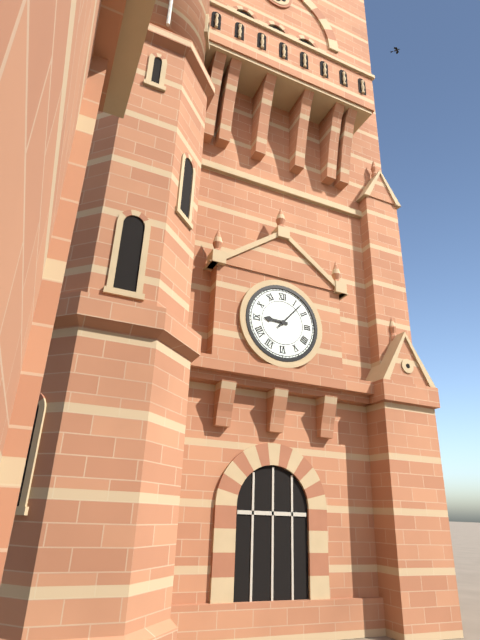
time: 9:07
